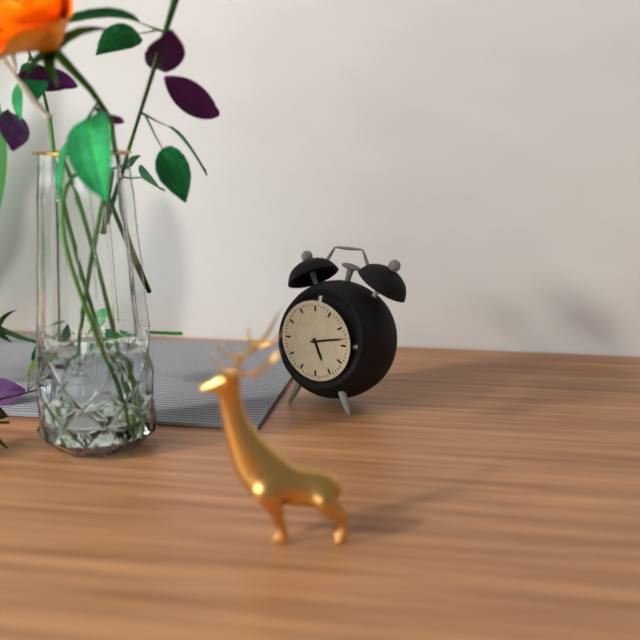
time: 5:13
